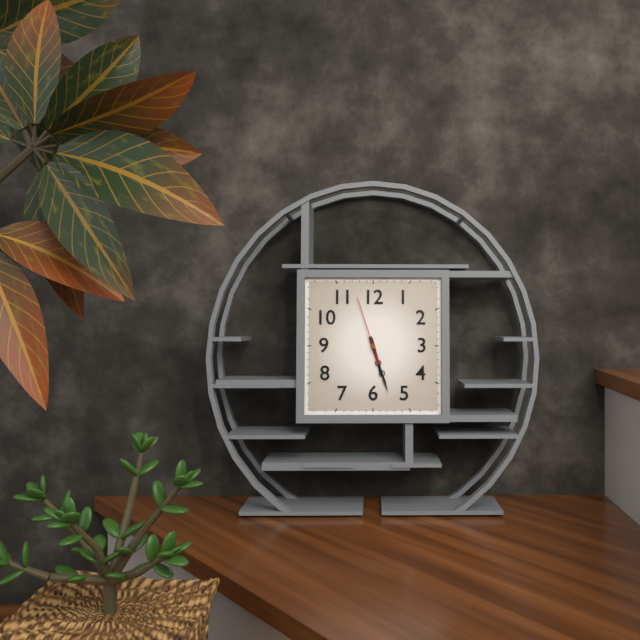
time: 5:27:57
